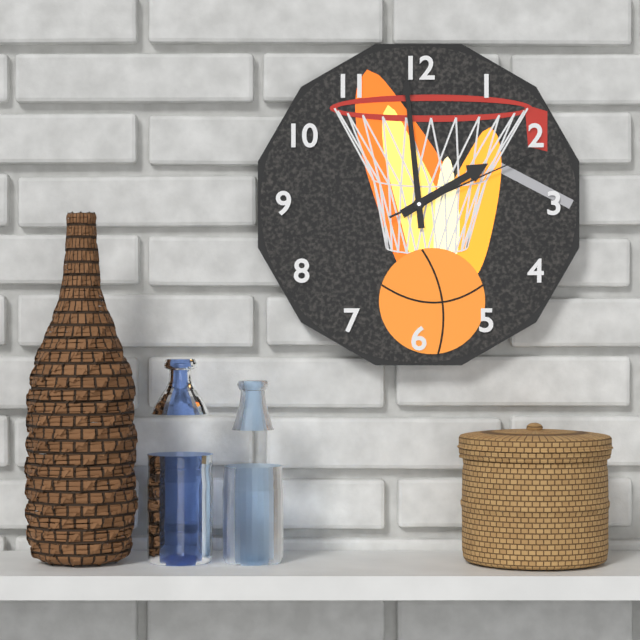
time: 1:59:11
